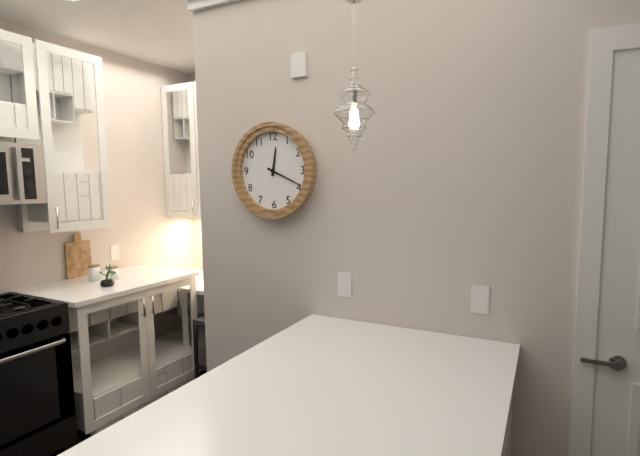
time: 12:19
